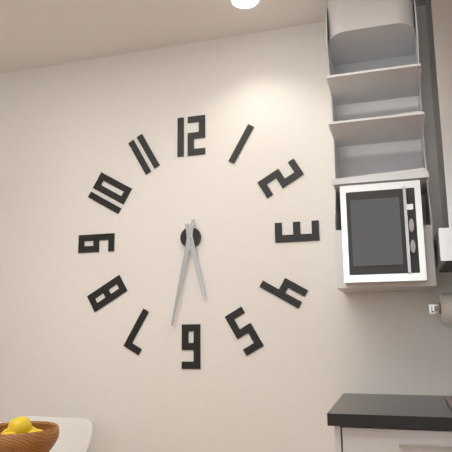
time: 5:32
